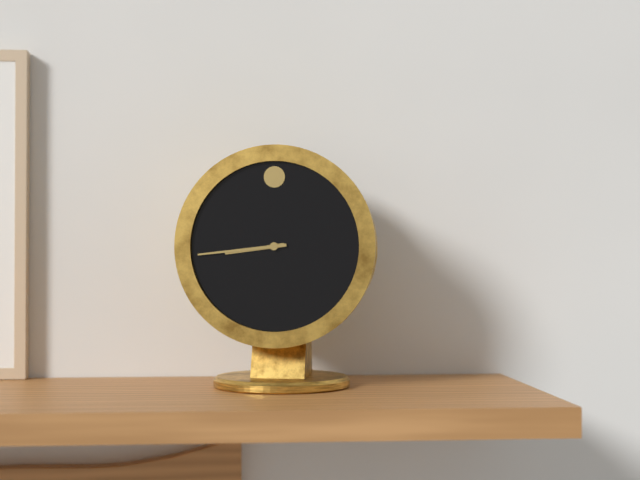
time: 8:44
